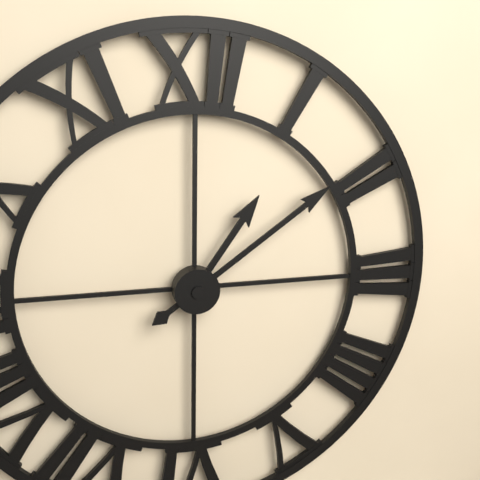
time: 1:09
